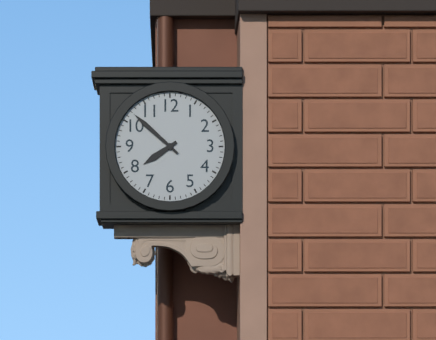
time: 7:52
